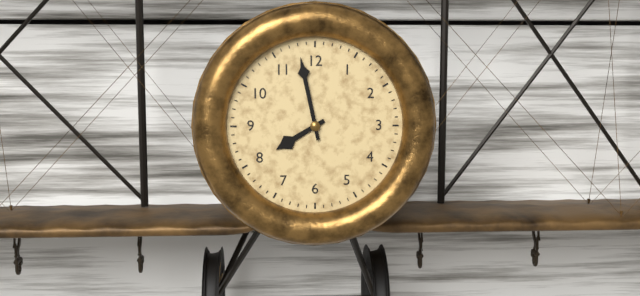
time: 7:58
